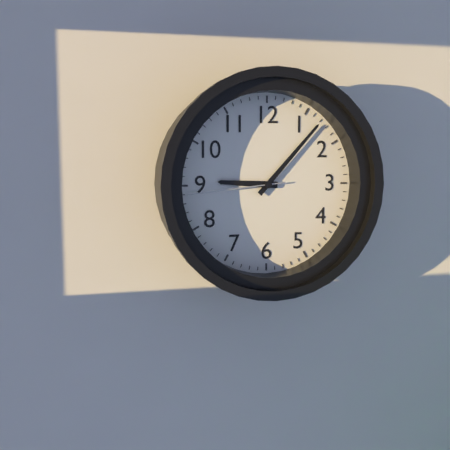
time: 9:07:44
